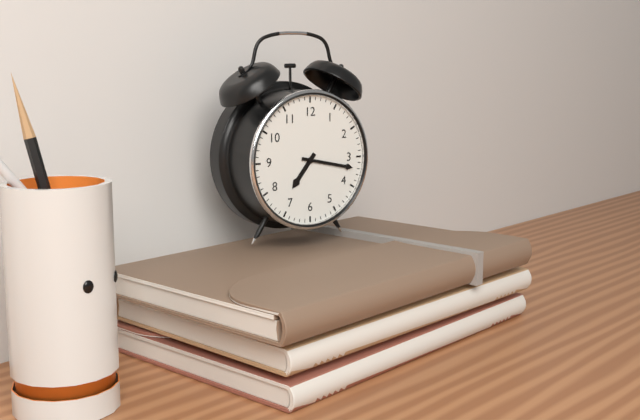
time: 7:17
